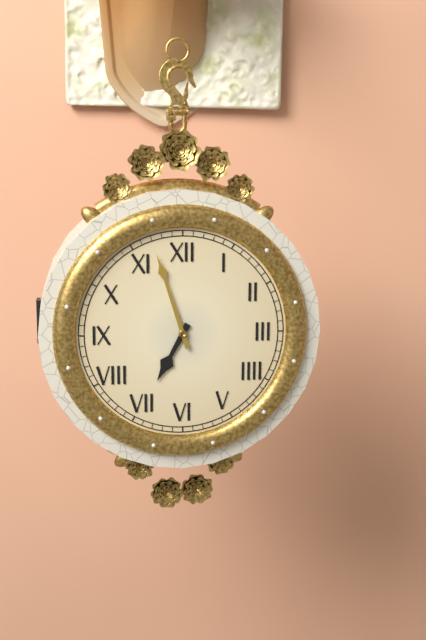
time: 6:57
